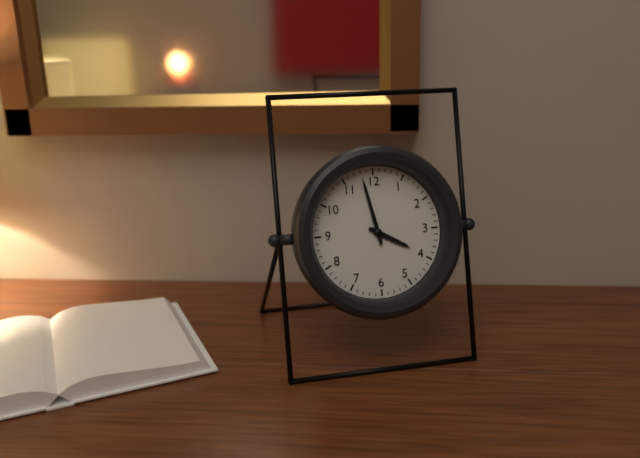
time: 3:58
